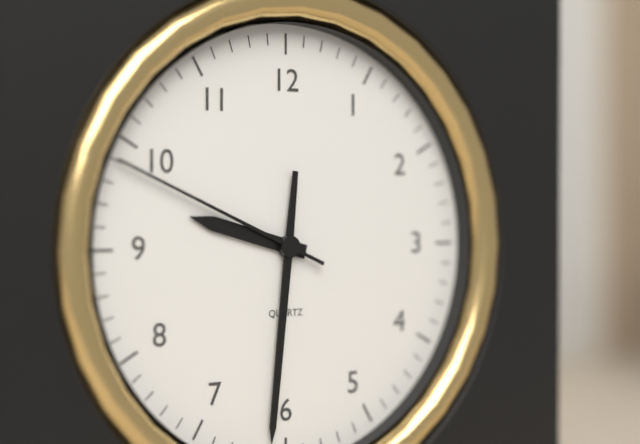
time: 9:31:49
